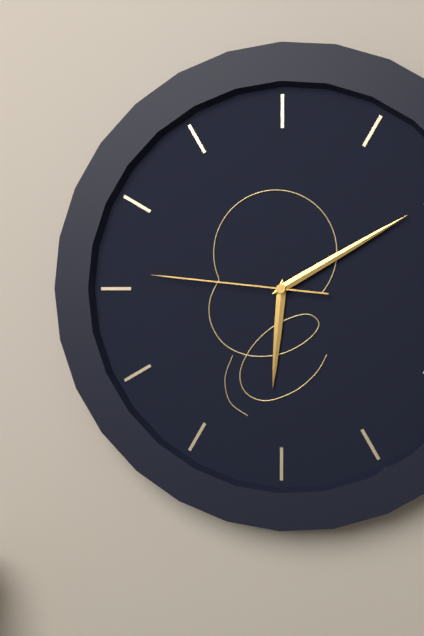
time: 6:10:46
